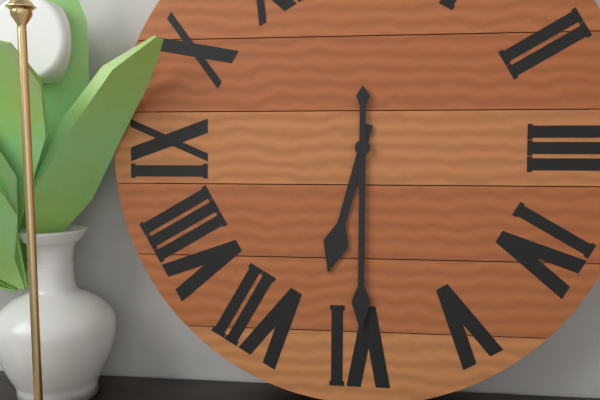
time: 6:30
